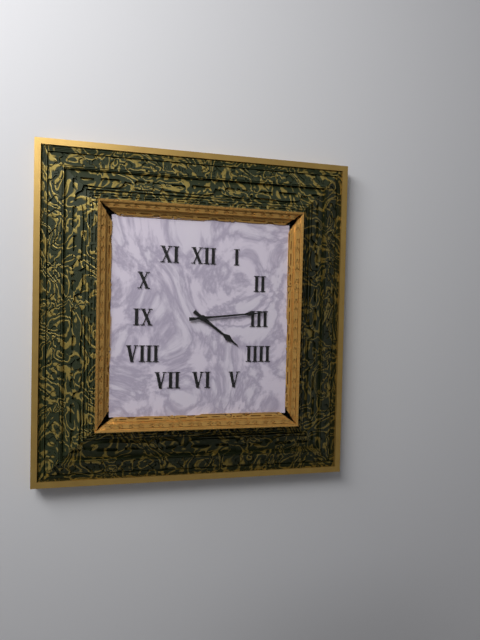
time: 4:14
